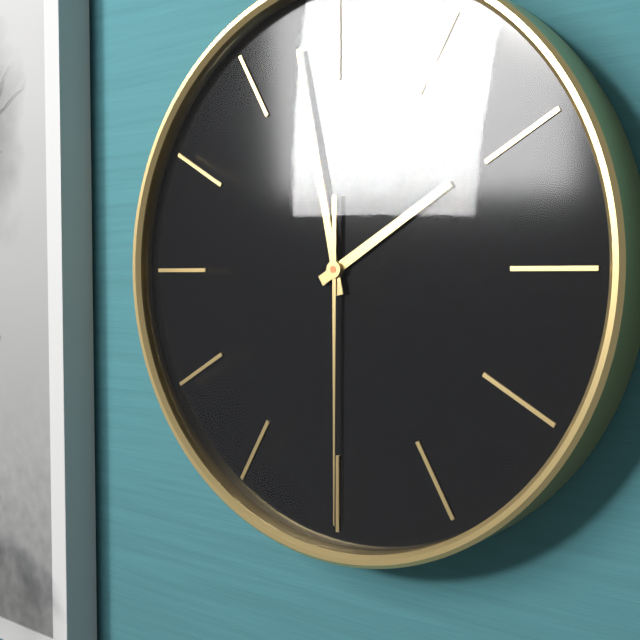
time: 1:58:30
